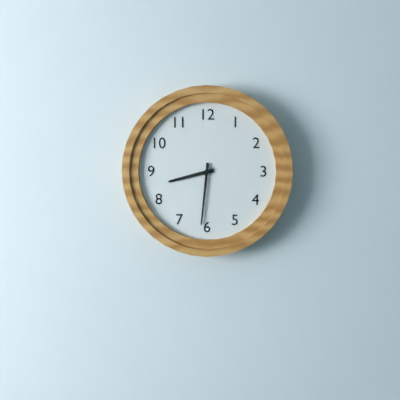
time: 8:31
